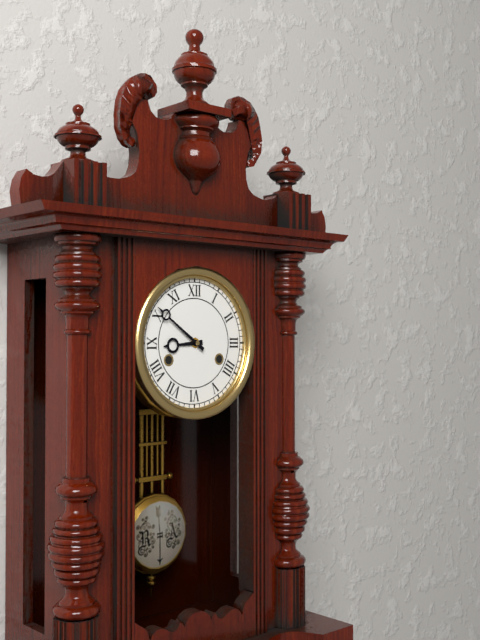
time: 8:51
